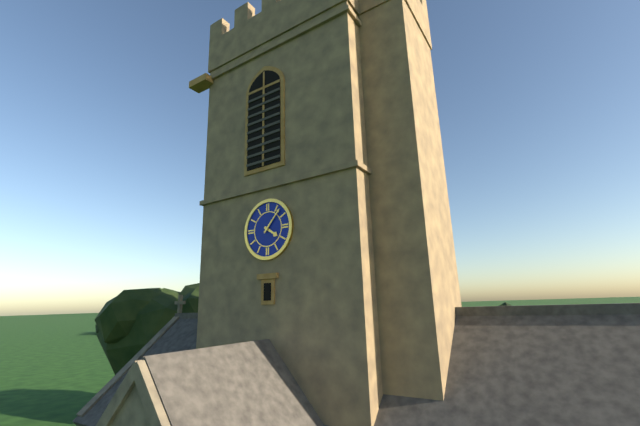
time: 4:07
